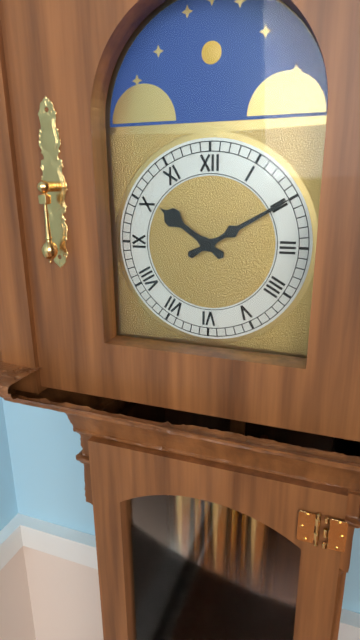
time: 10:10
